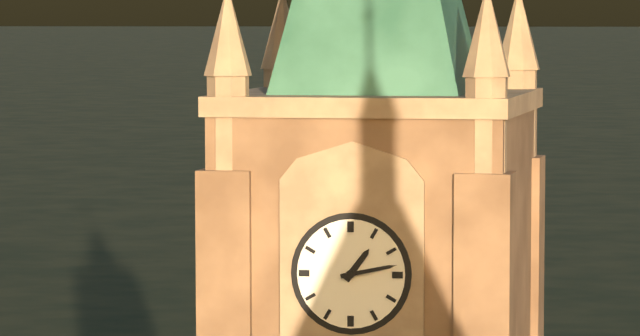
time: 1:13
